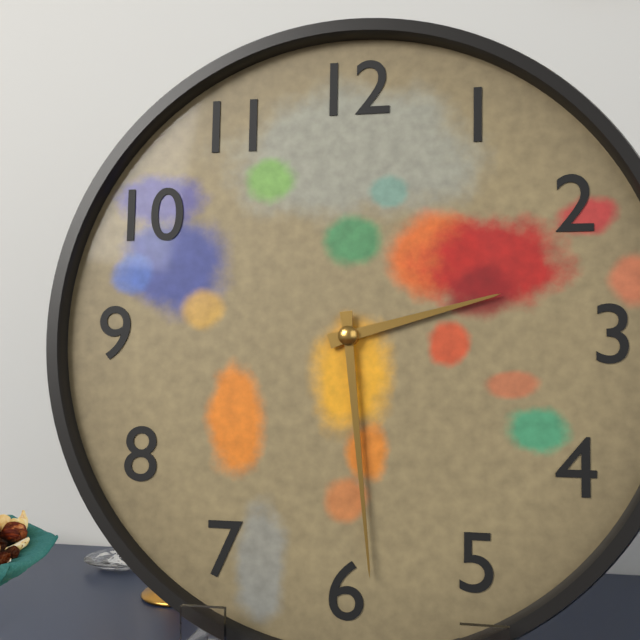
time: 2:29
